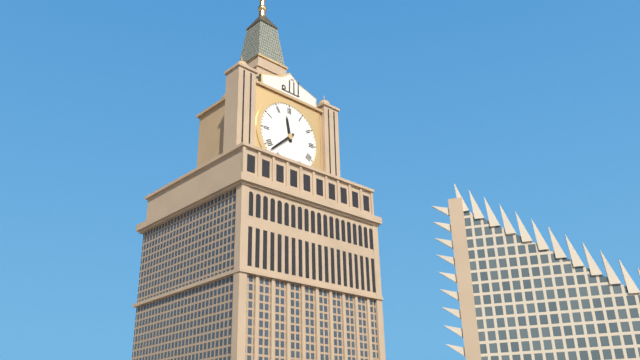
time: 11:38
